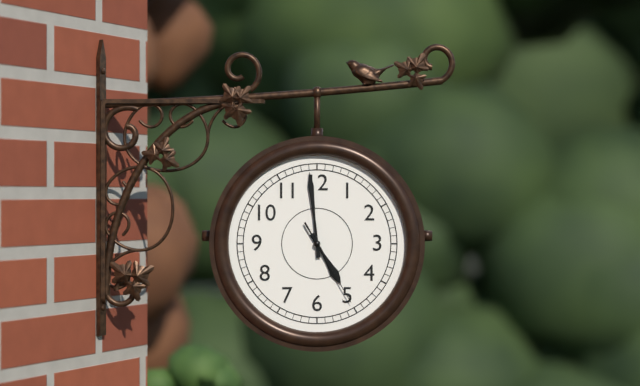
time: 4:59:25
